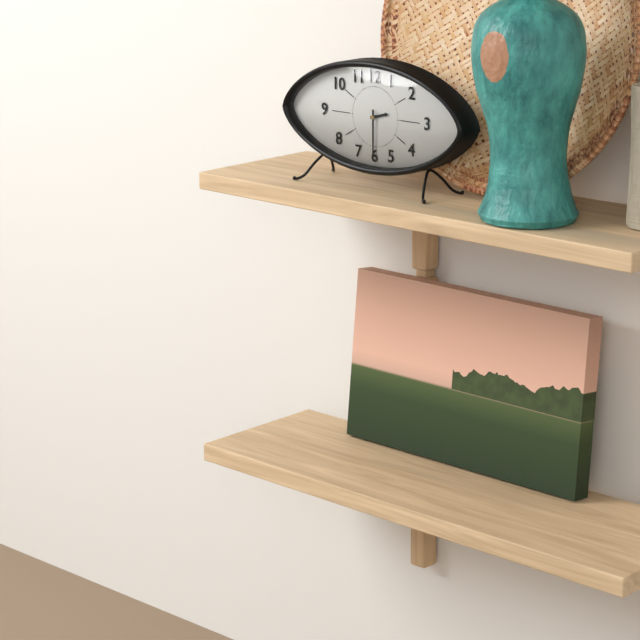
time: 2:30
